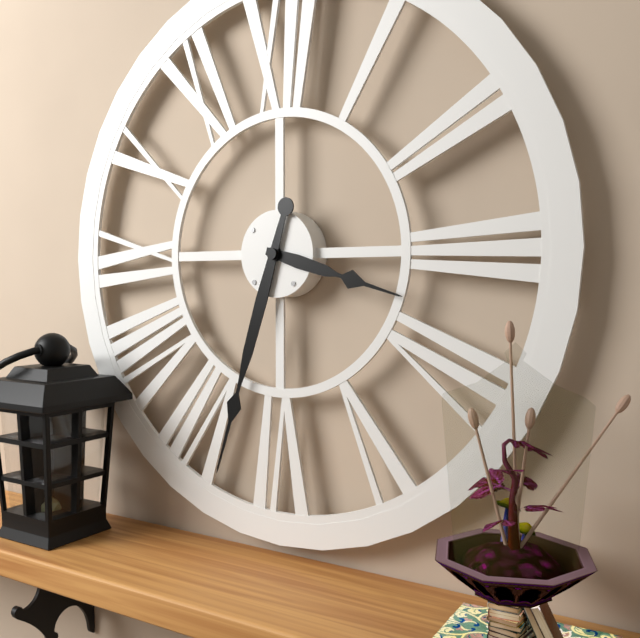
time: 3:33
